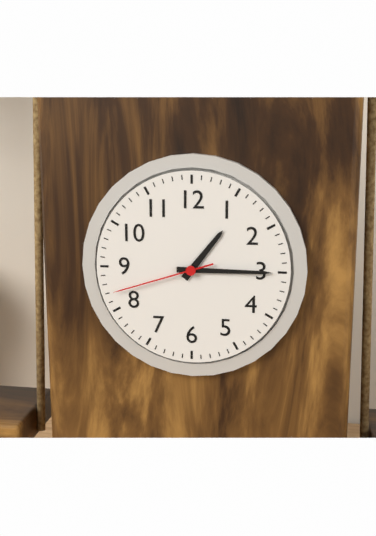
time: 1:15:42
